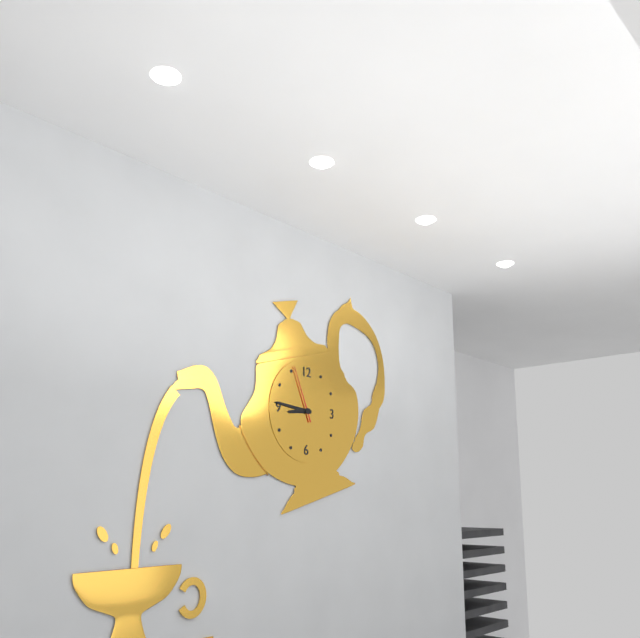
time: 8:46:56
